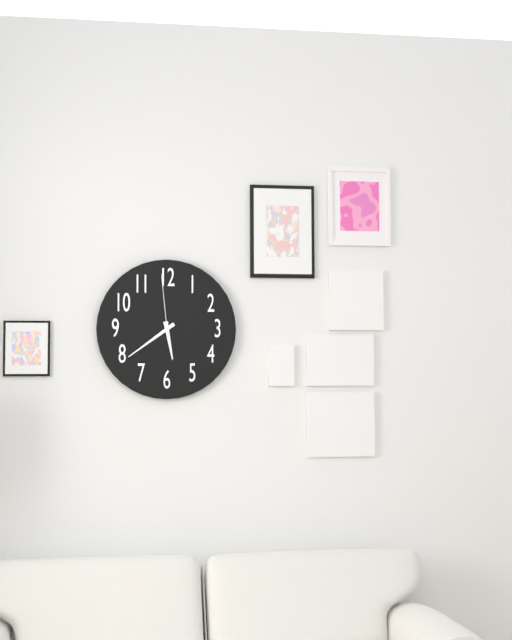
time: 5:39:59
